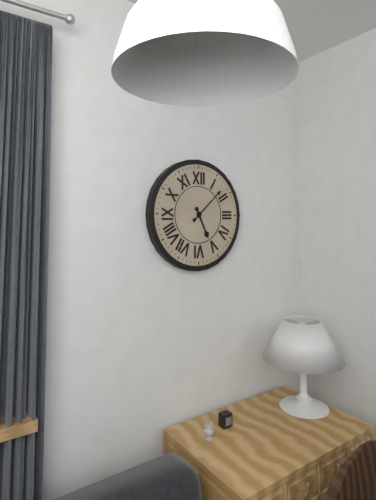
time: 5:08
